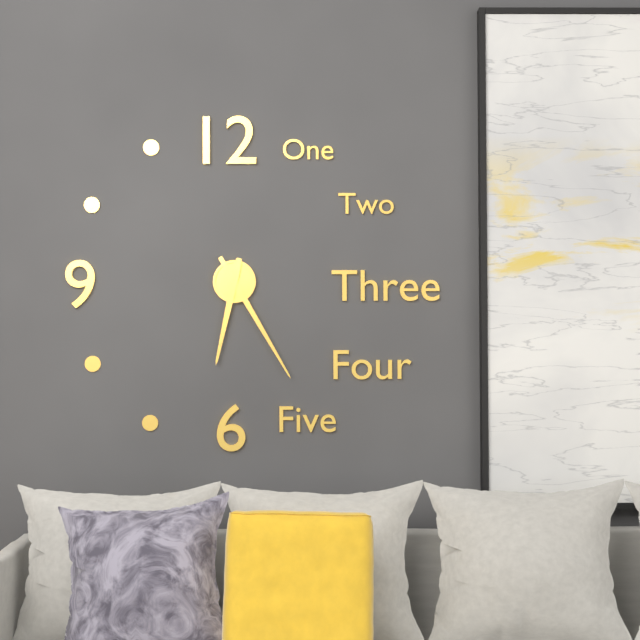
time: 6:25
